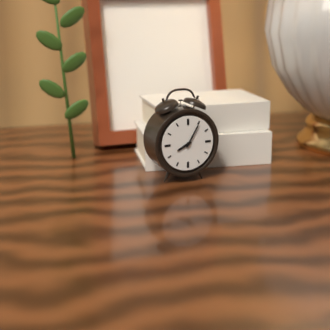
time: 8:05
